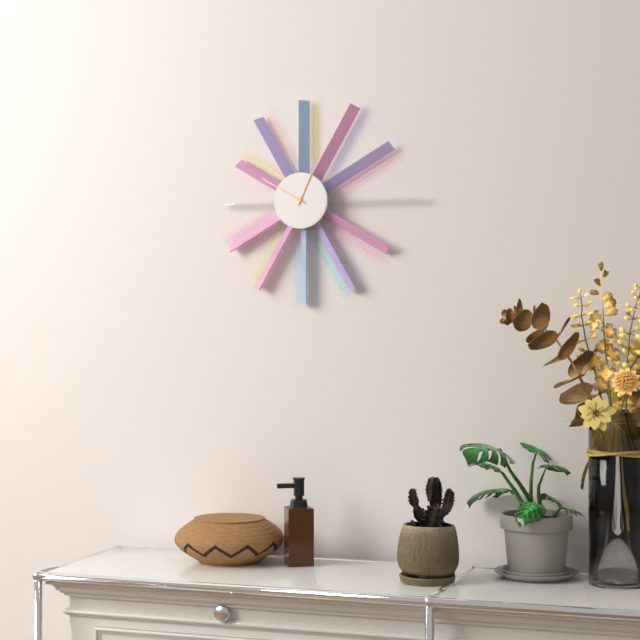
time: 12:50
